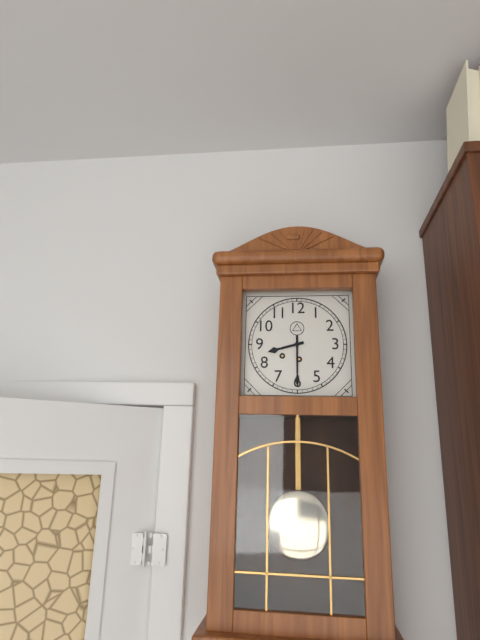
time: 8:30
